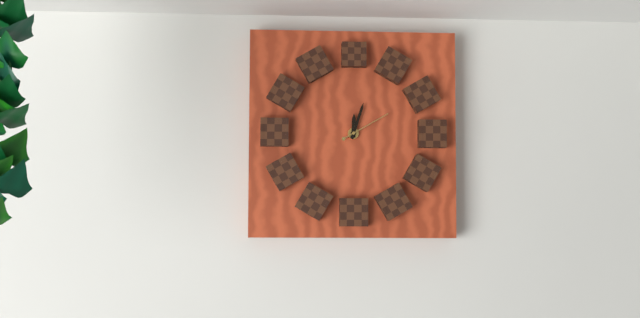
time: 12:03
